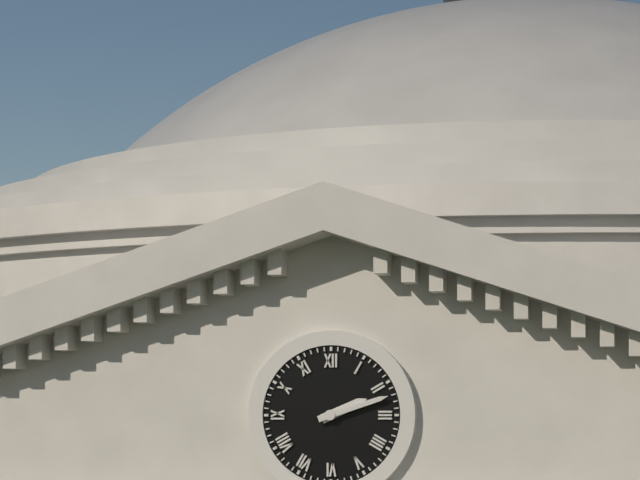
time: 2:12
